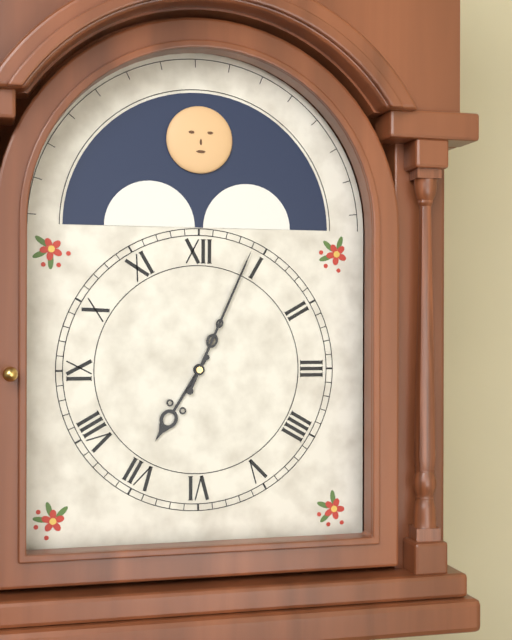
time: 7:04
